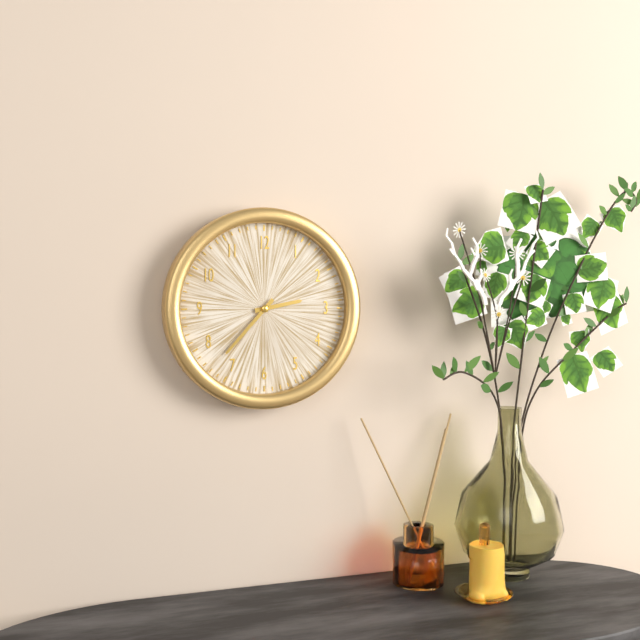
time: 2:37
